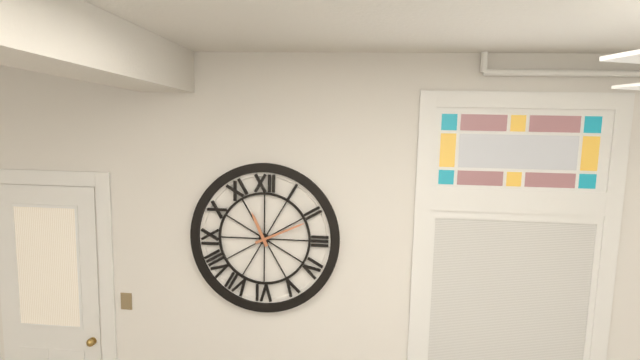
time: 11:11
